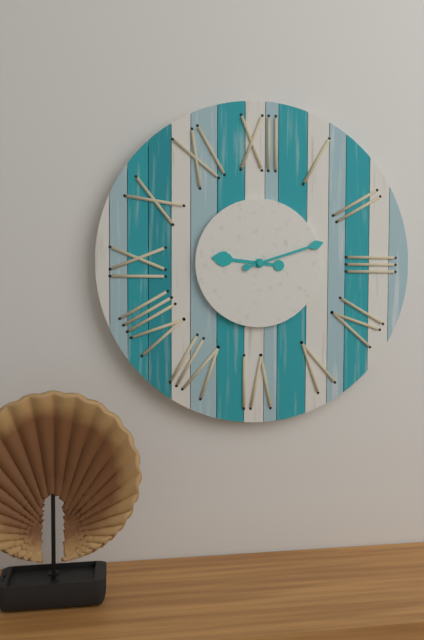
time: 9:12
